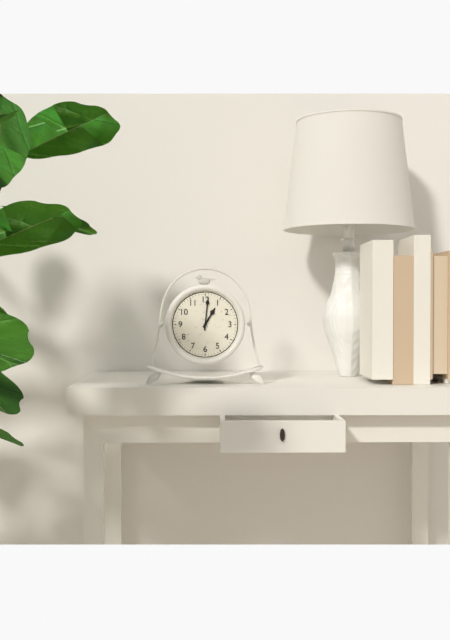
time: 1:01
